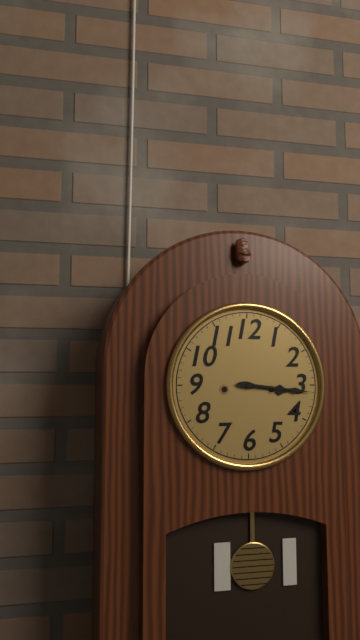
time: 3:16
